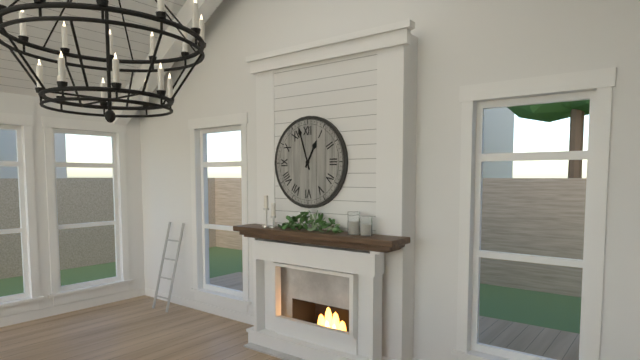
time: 12:57
